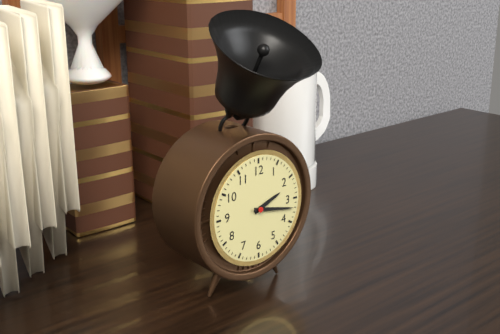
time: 2:17
